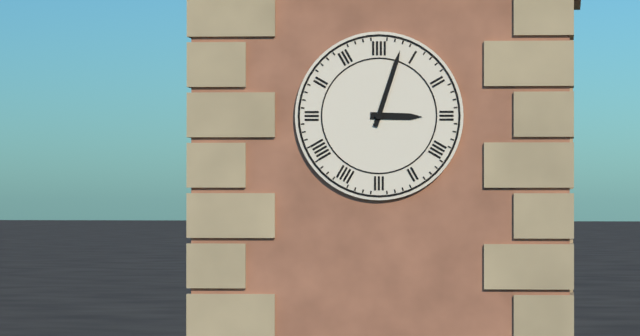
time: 3:03
